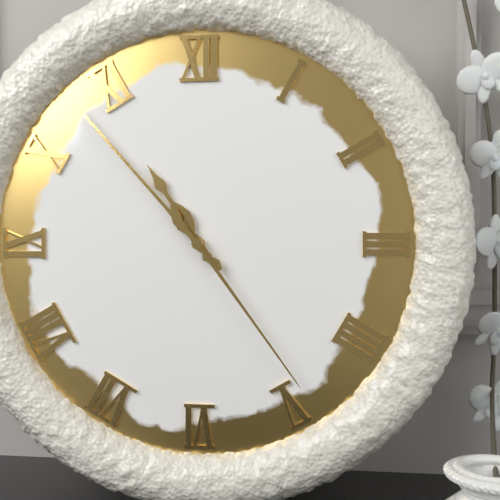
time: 10:53:24
